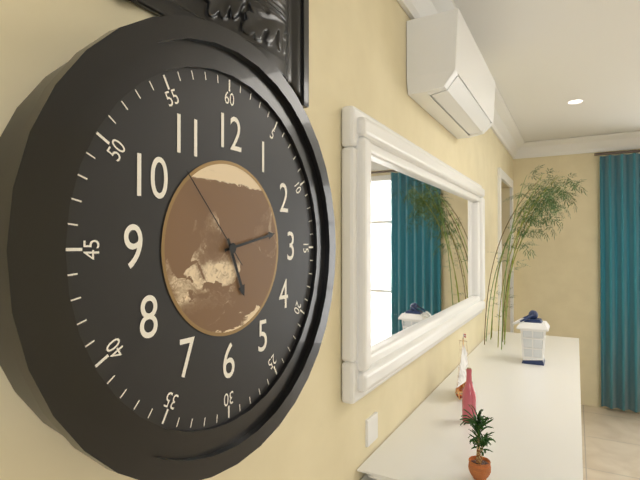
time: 5:13:53
